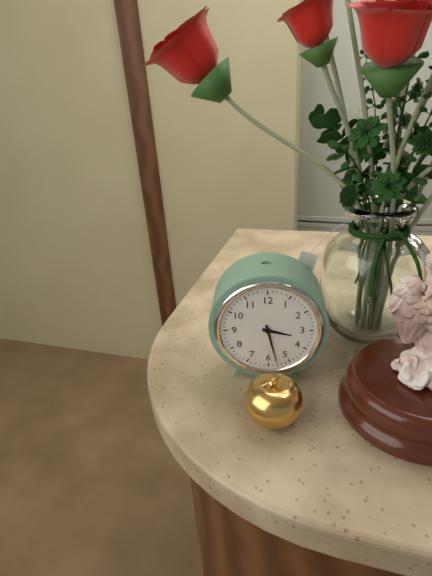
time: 3:28
